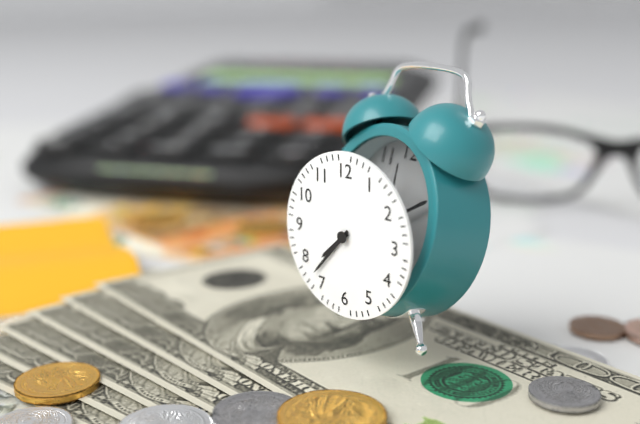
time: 7:37
